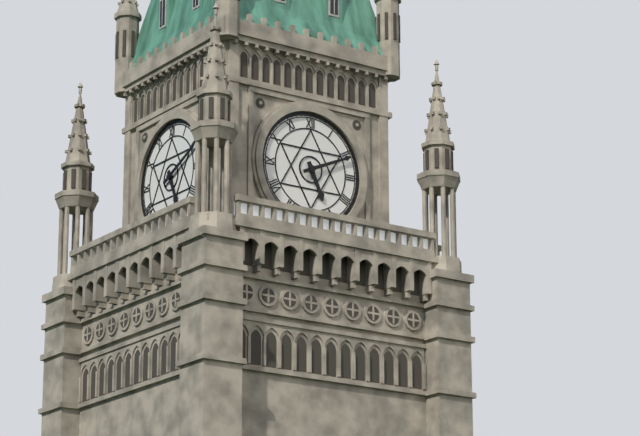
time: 5:11
